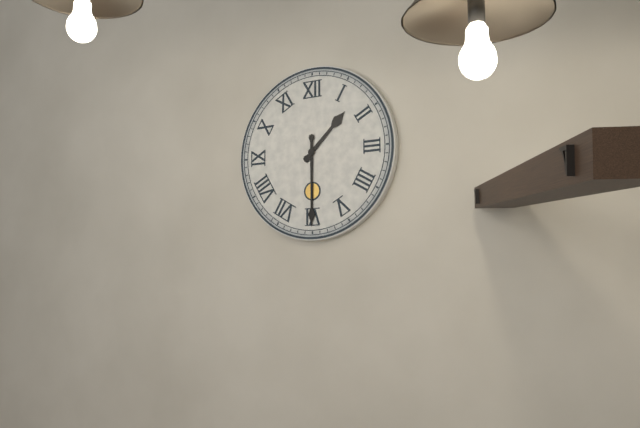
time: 1:30
